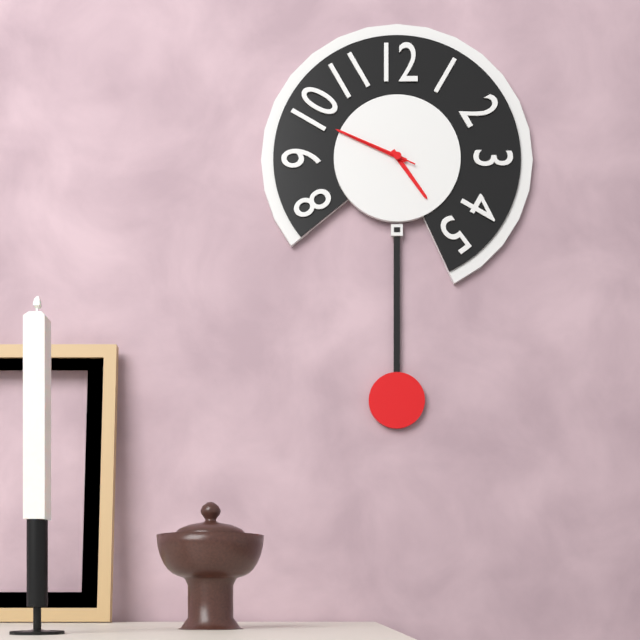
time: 4:49:49
